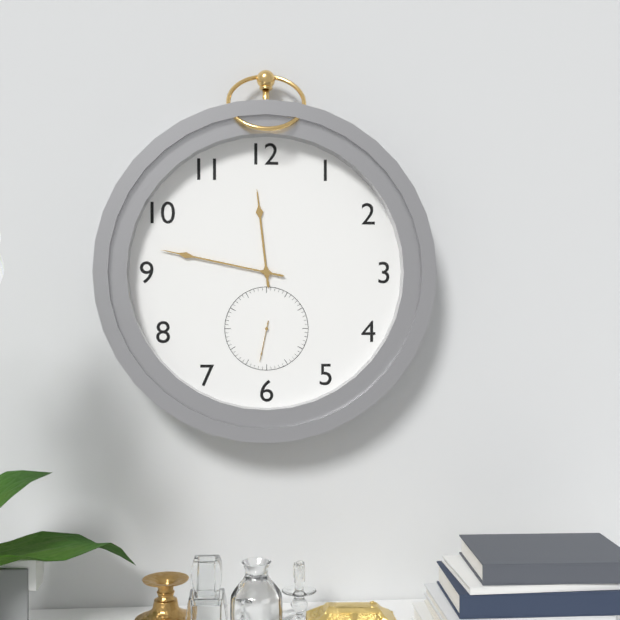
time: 11:47
